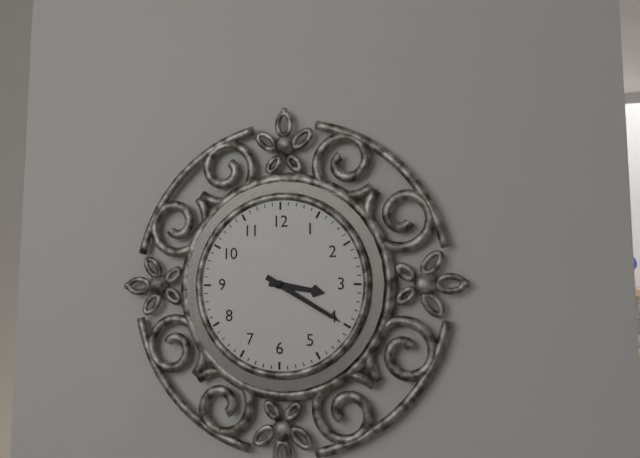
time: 3:20
